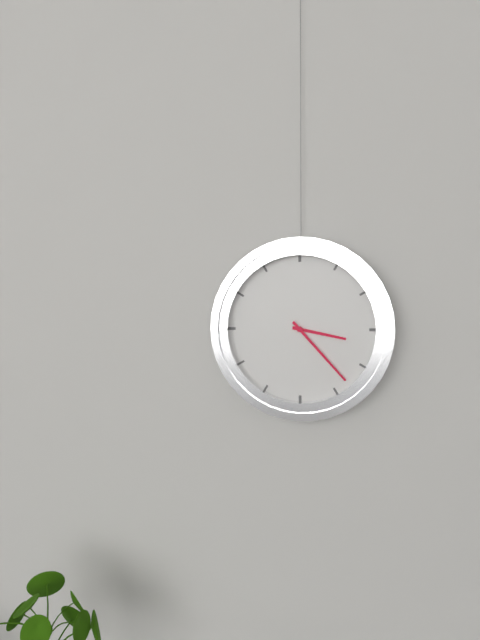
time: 3:23
